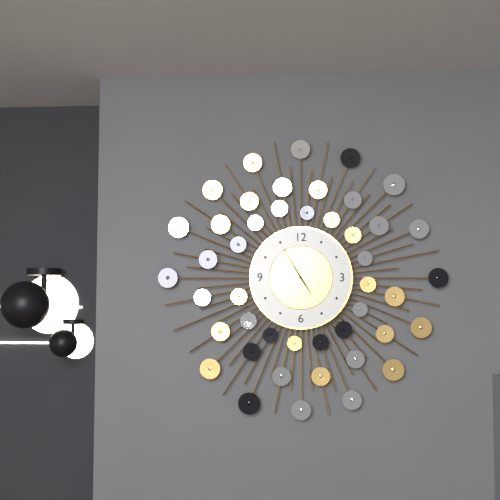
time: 4:55
